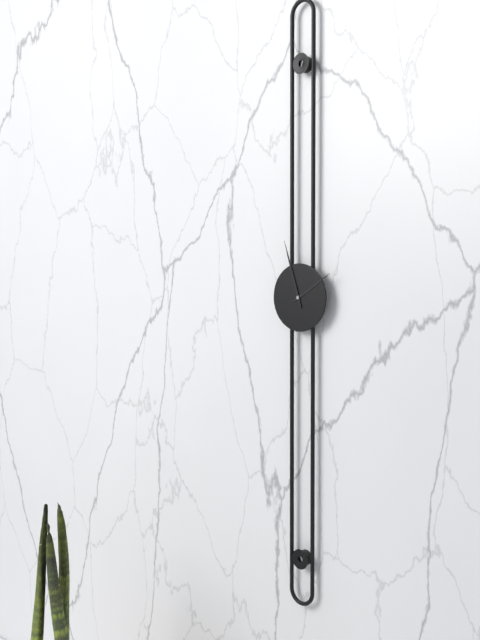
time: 1:57
